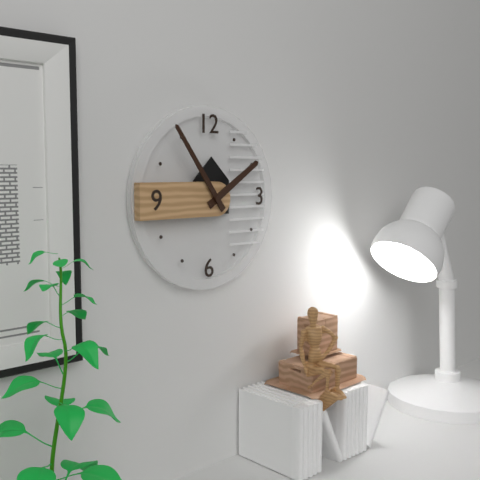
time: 1:54
